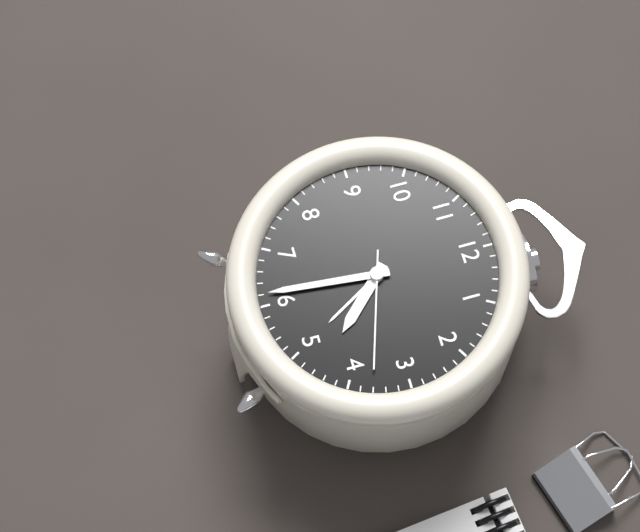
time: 4:31:18
